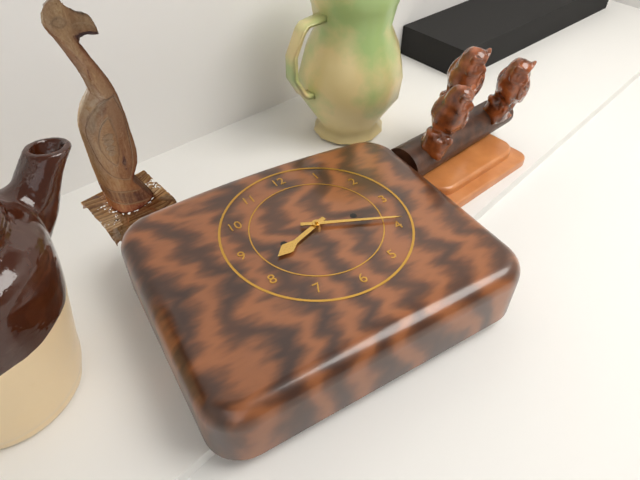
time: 8:19
